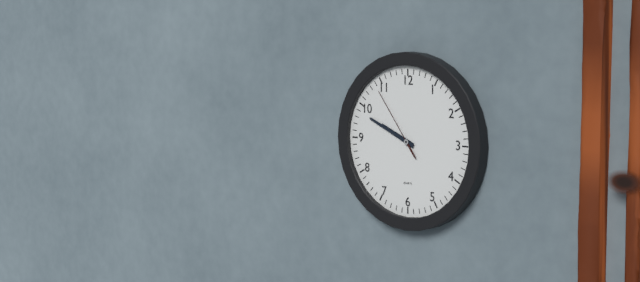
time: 9:49:54
